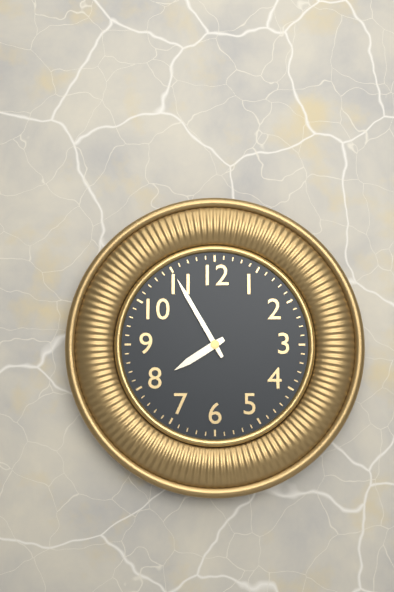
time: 7:55
